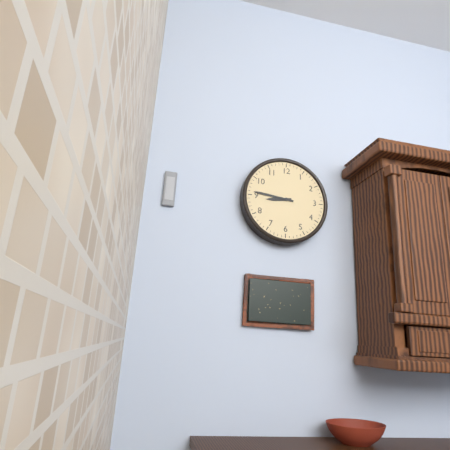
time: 8:46
